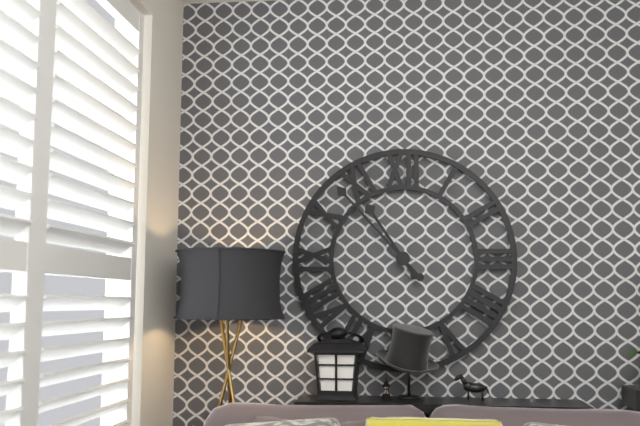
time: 10:53
